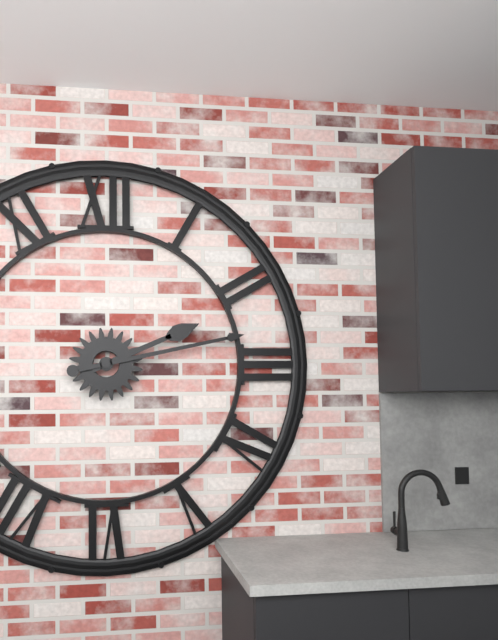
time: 2:13
